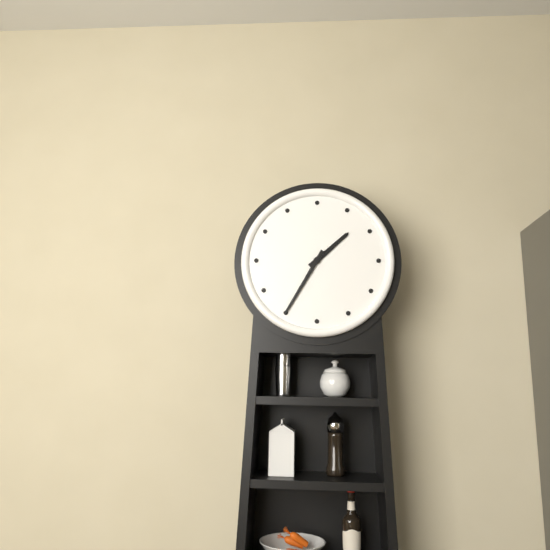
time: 1:35
